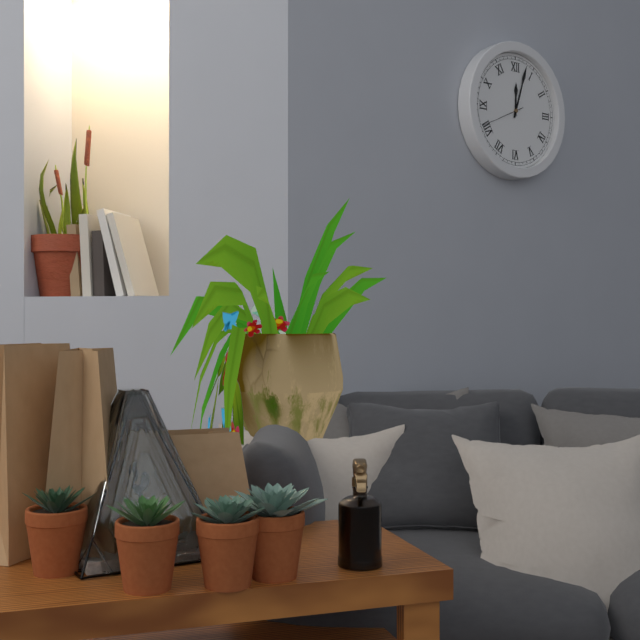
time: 12:03
